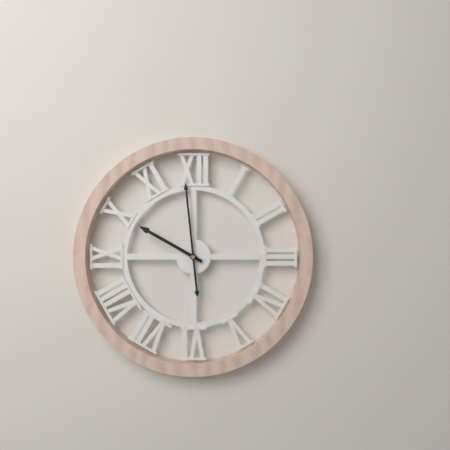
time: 9:59
